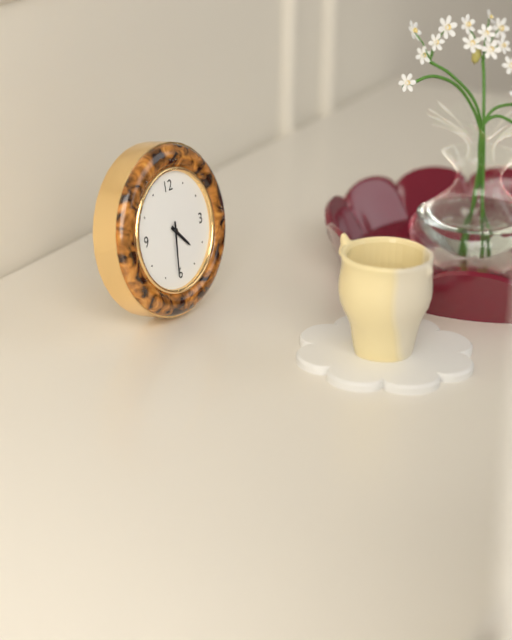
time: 4:31
